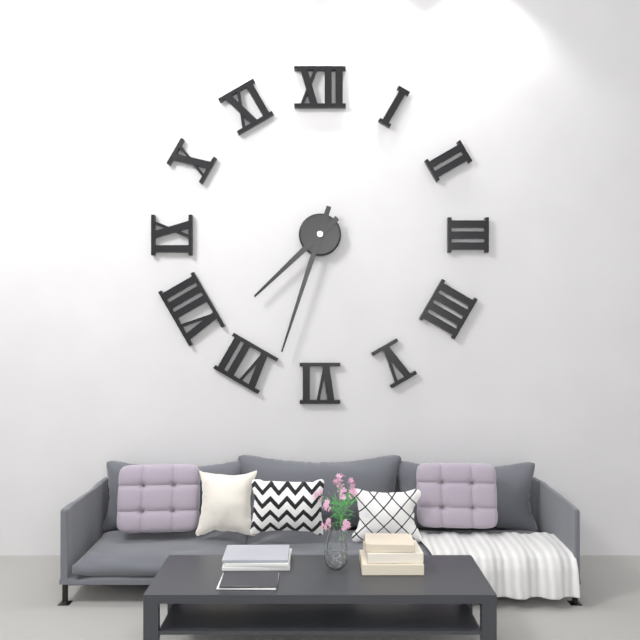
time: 7:33
